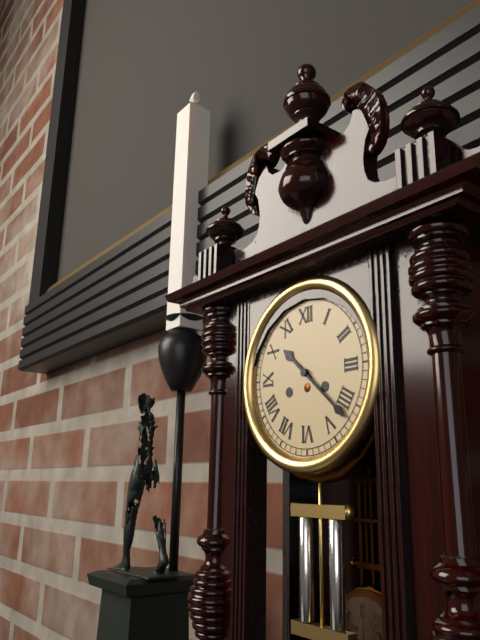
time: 10:22
